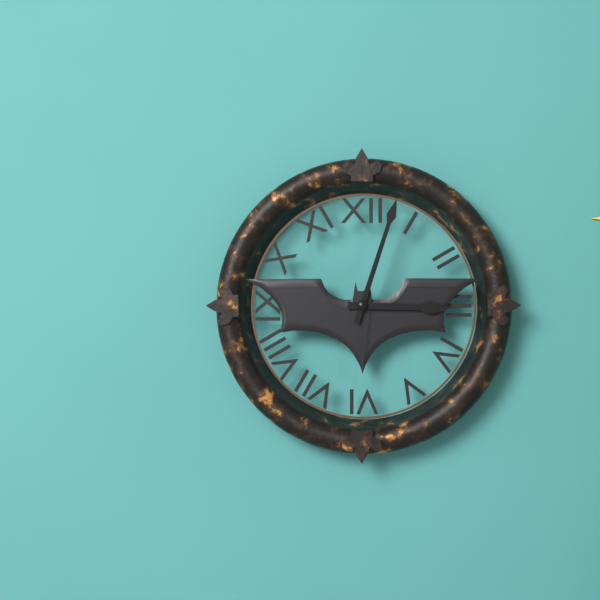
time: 3:03
